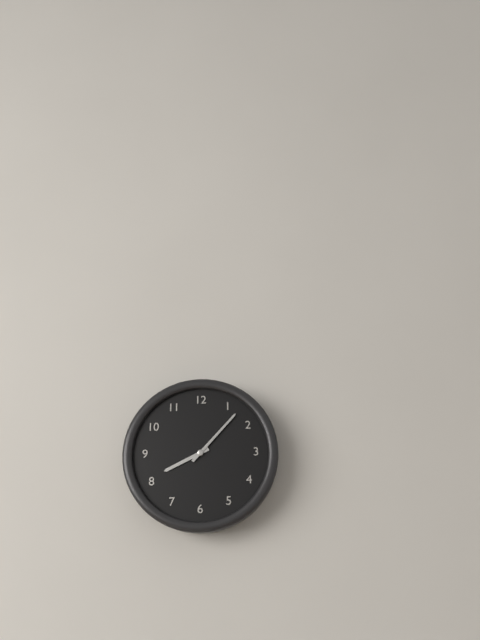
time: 8:07
